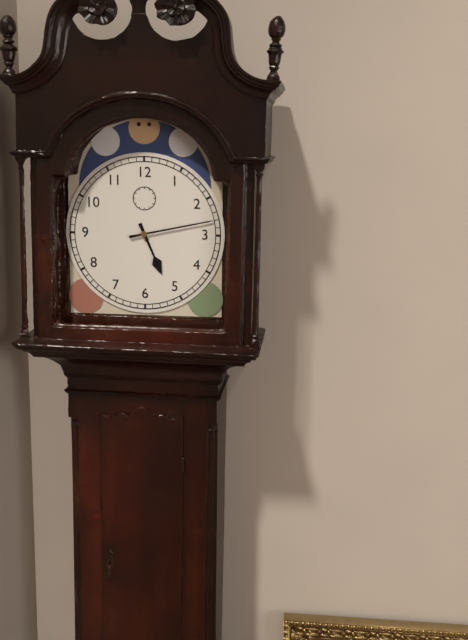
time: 5:13
